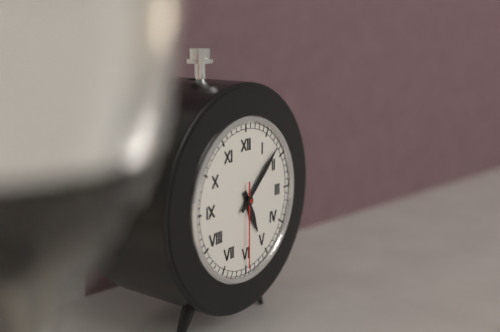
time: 5:08:30
